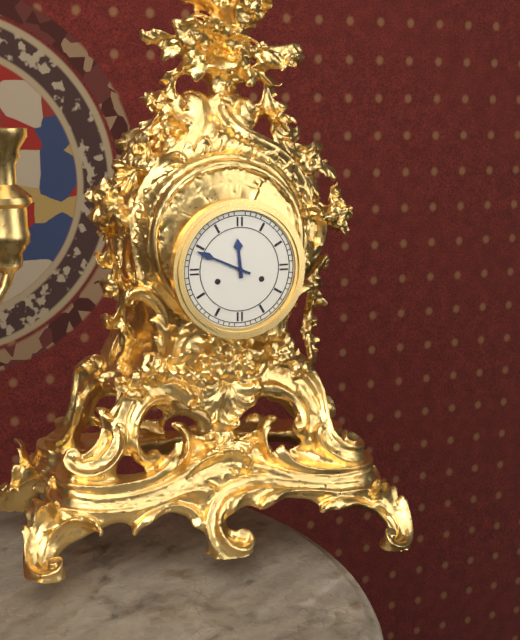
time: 11:49
